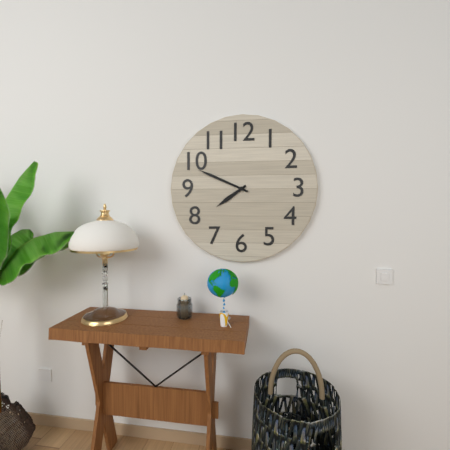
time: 7:49
